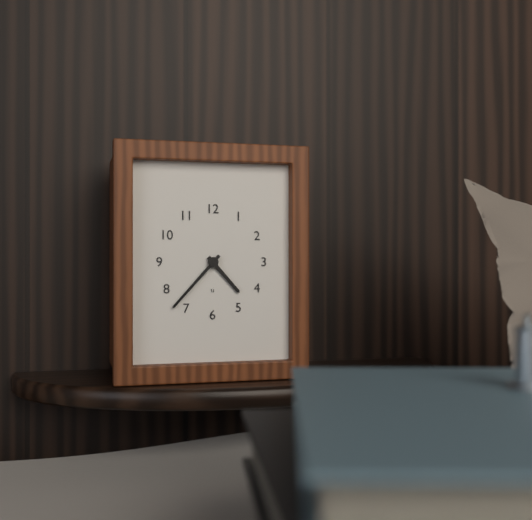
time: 4:37
